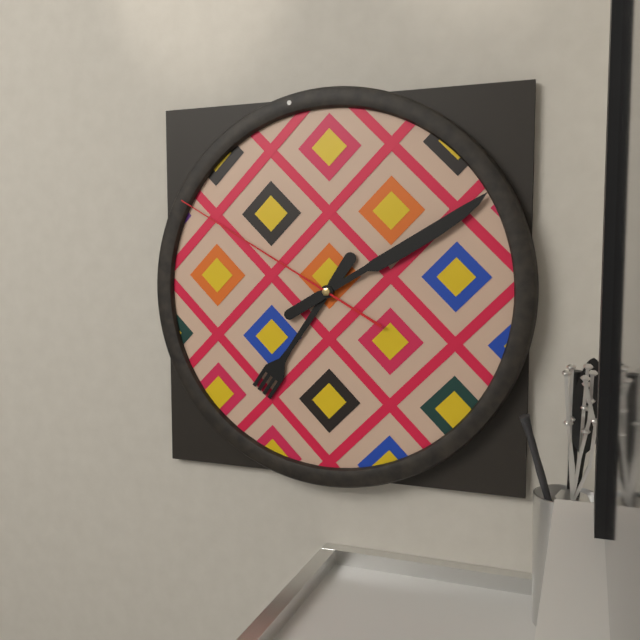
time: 7:10:50
